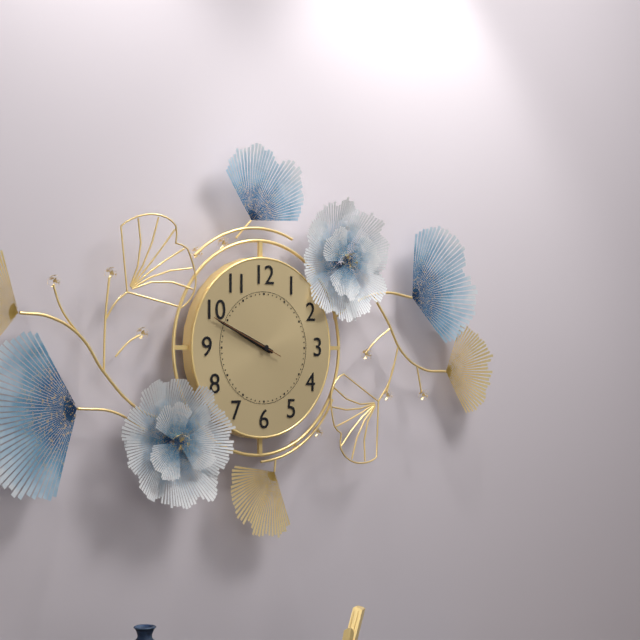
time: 9:49:49
